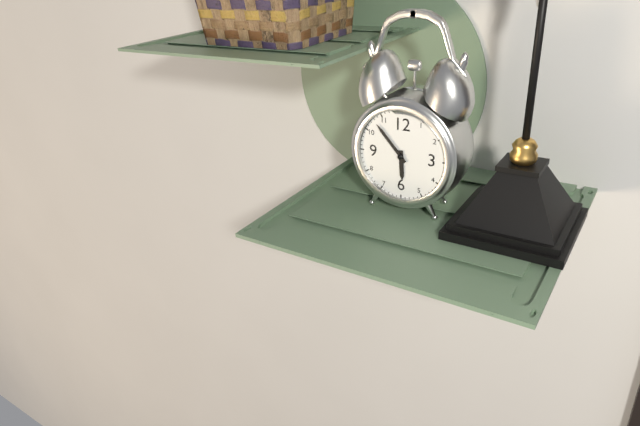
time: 5:53
